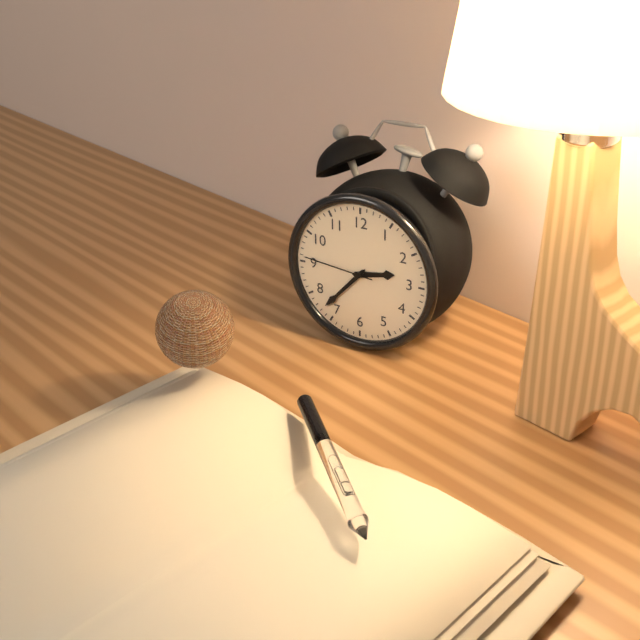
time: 2:37:46
